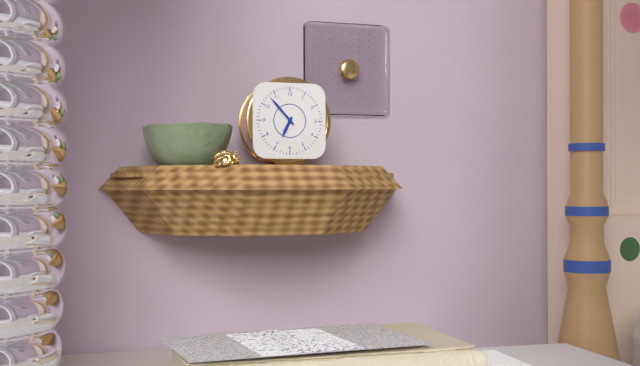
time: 6:53
